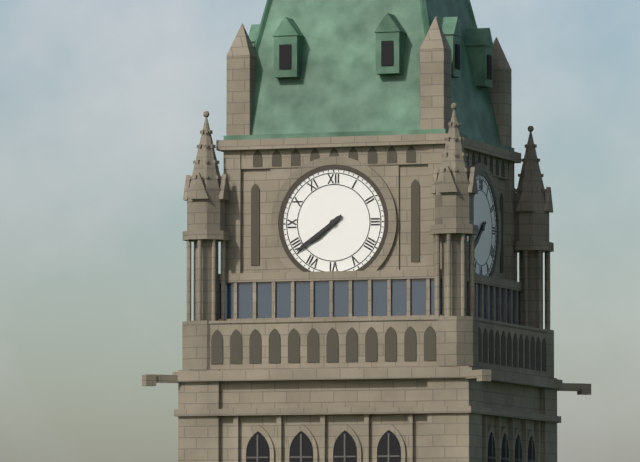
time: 7:39
